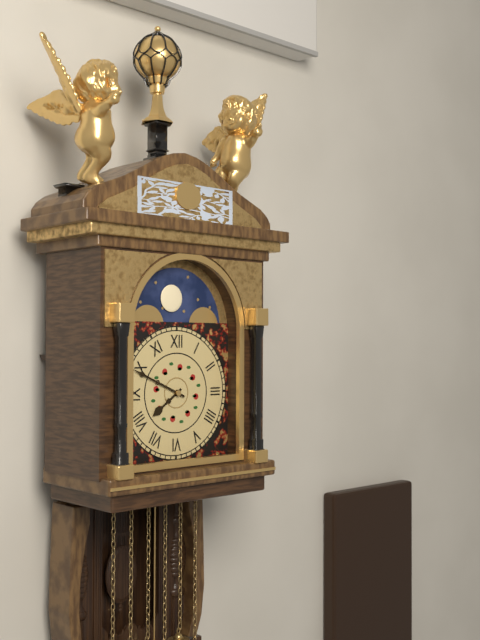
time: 7:49
